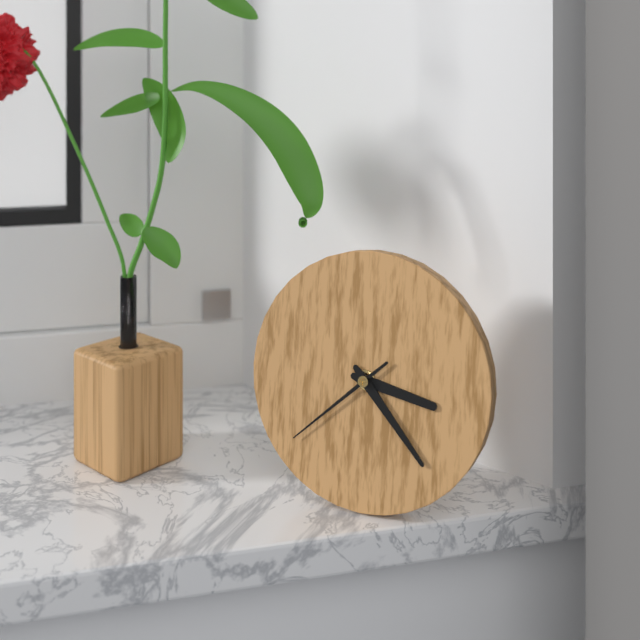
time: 3:23:38
